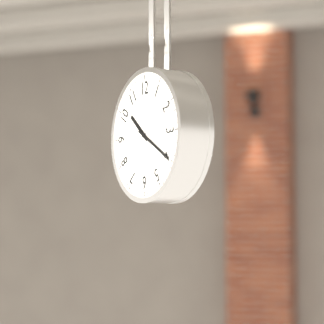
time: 10:20
